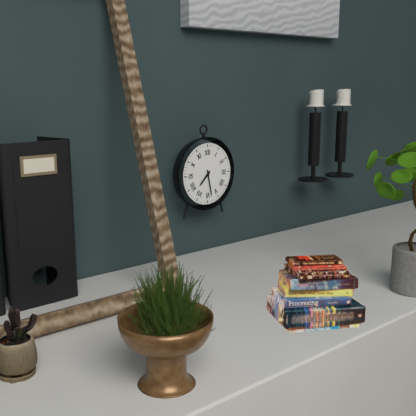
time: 7:28
